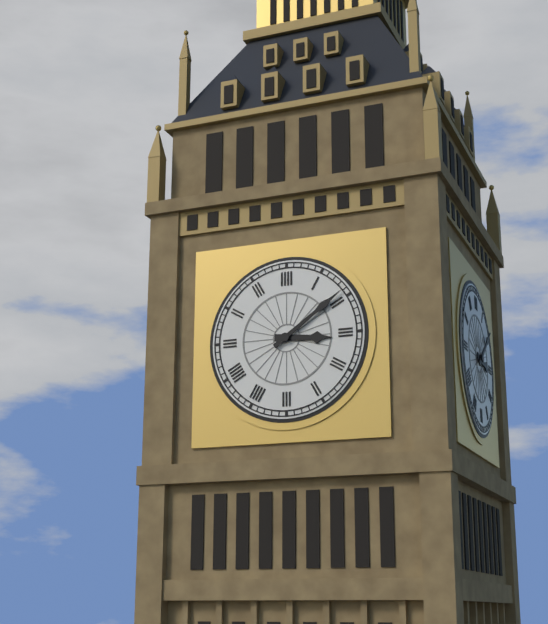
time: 3:09
